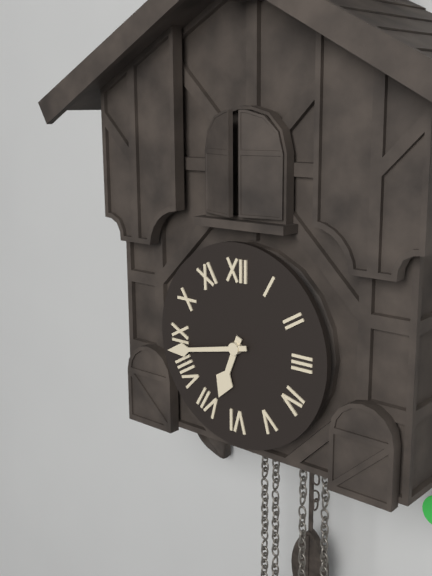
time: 6:43
